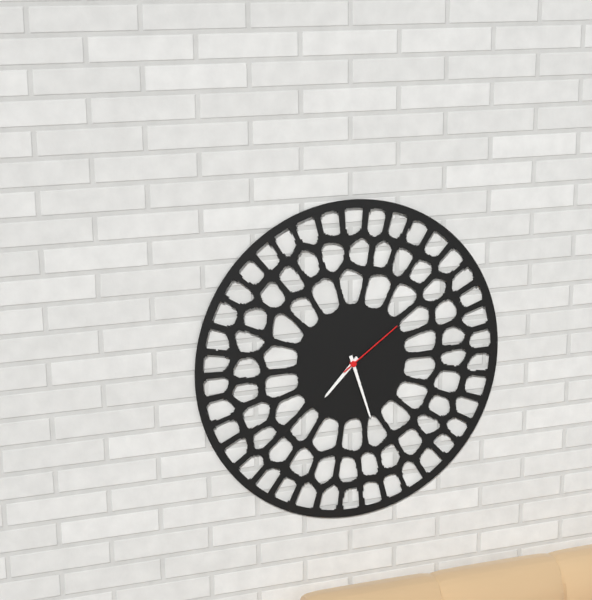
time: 7:27:09
